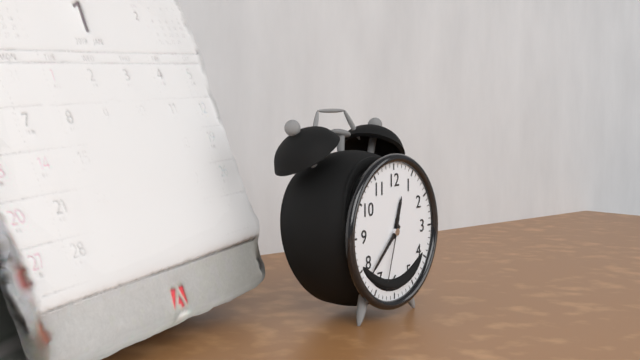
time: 12:38:33
